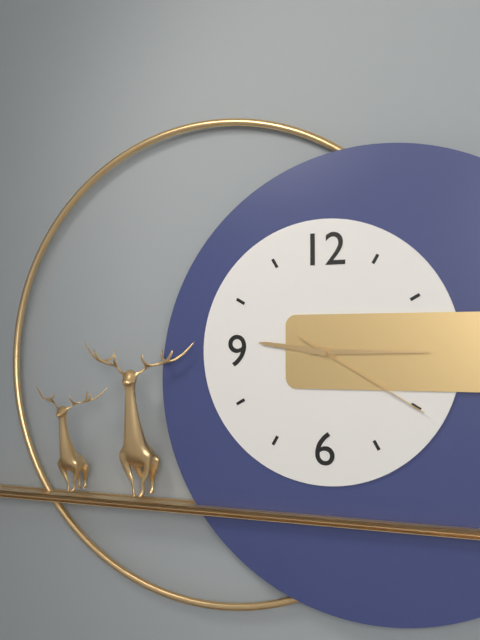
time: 9:15:20
